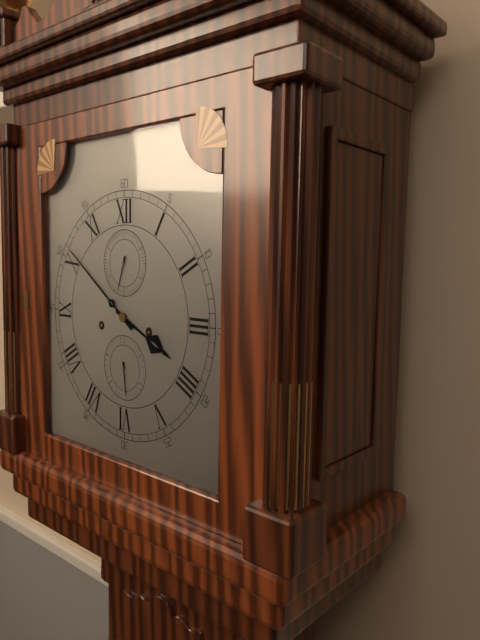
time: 3:51
